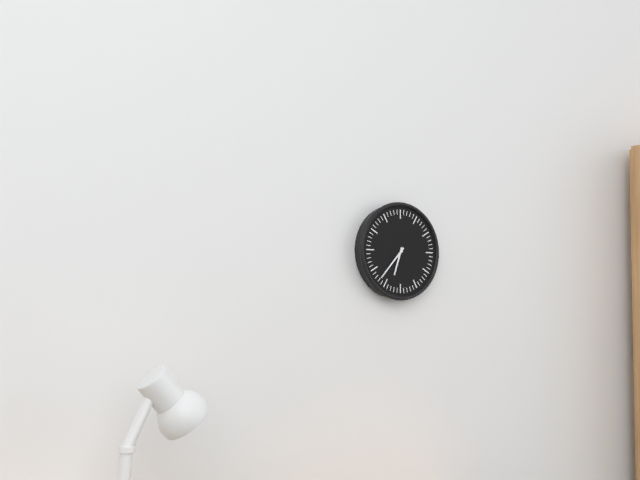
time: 6:37
